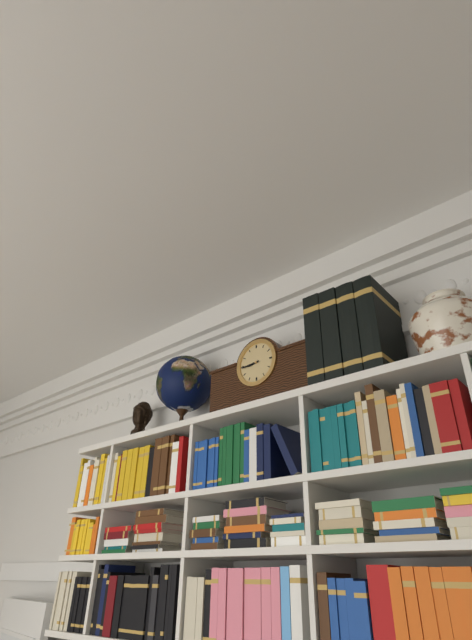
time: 8:44
